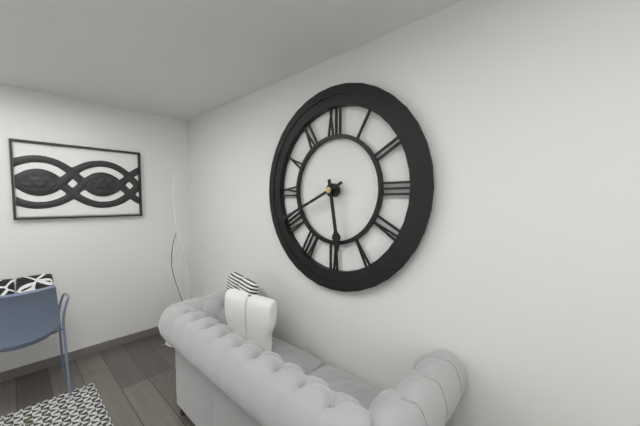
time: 5:41
